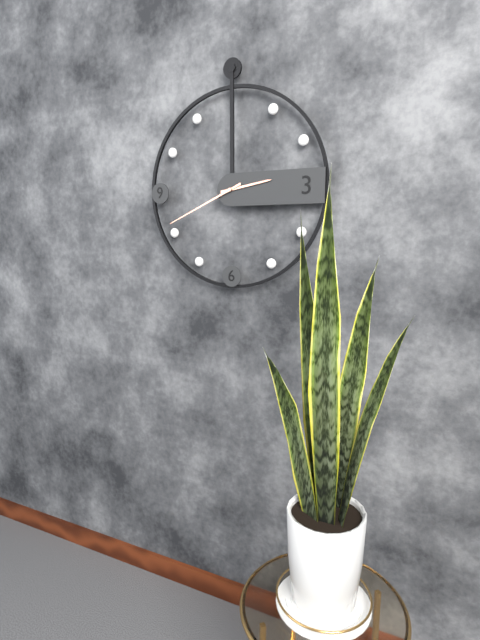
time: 2:41
